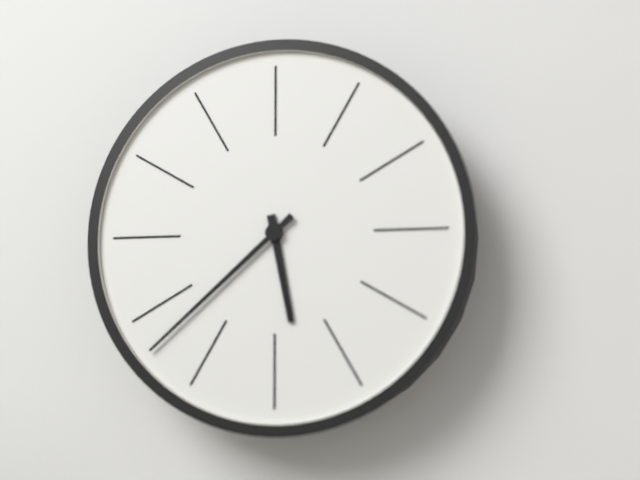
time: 5:38
